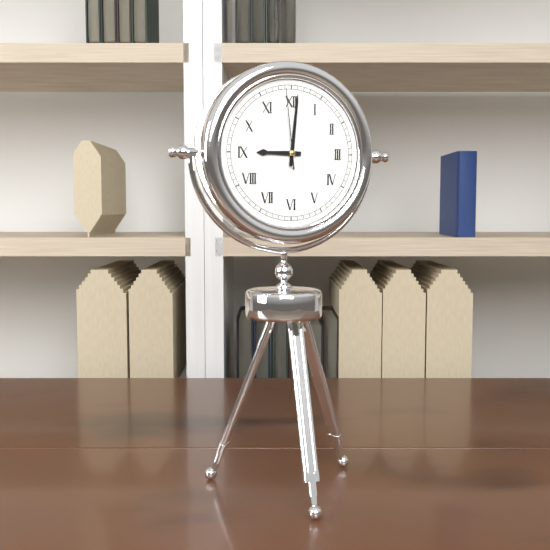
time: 9:01:59
